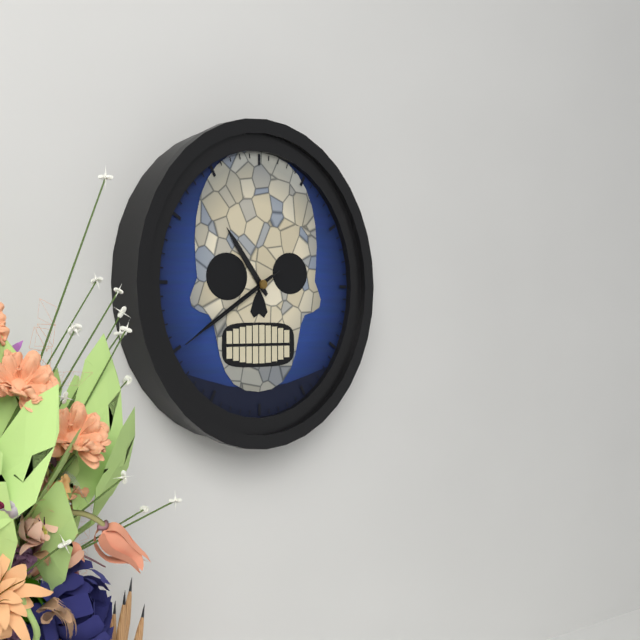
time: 10:40:40
